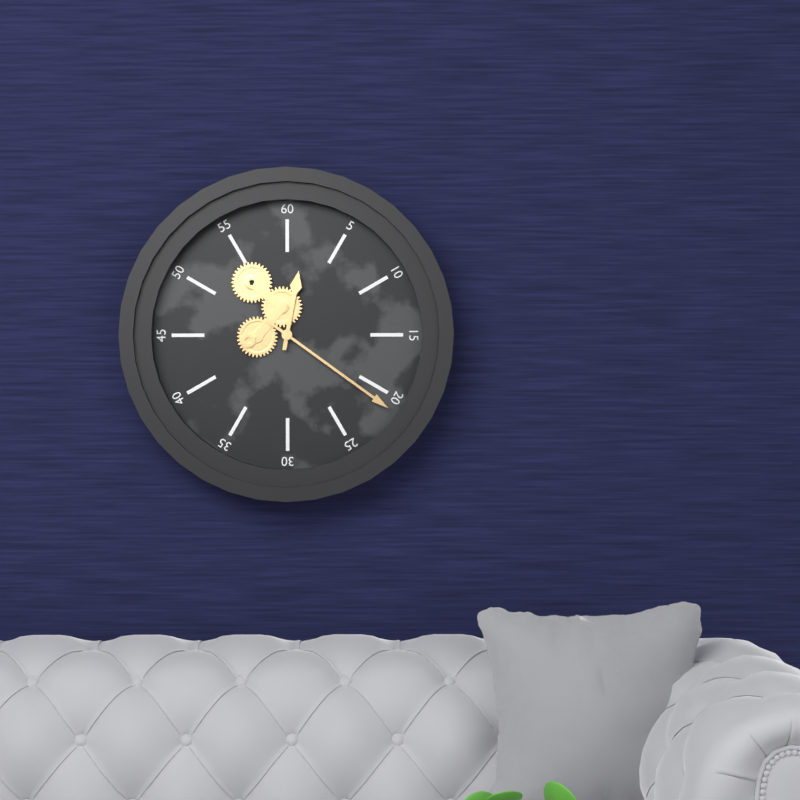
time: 12:21
